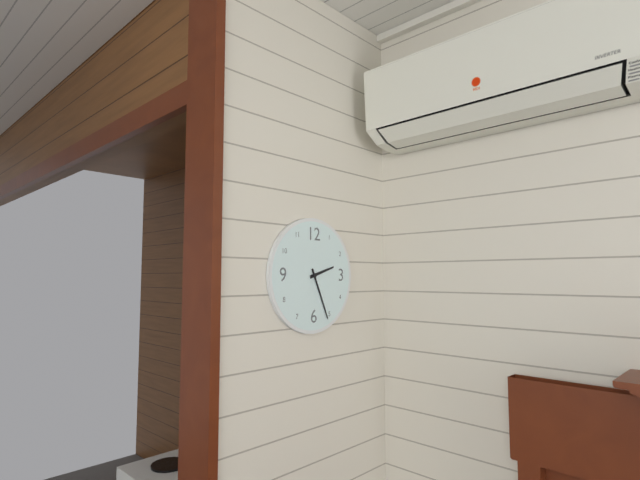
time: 2:26
